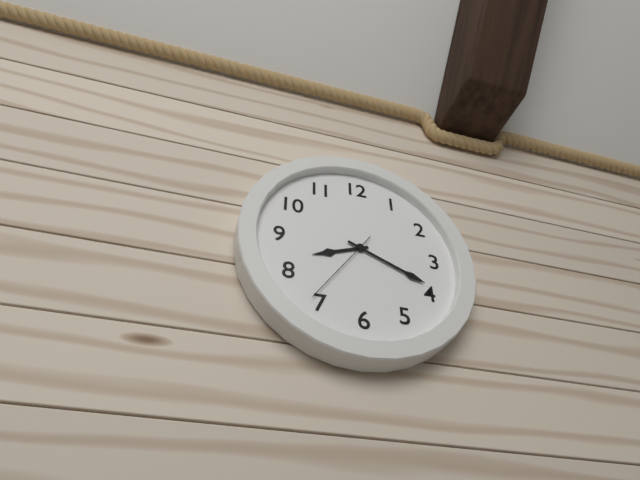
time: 8:19:36
